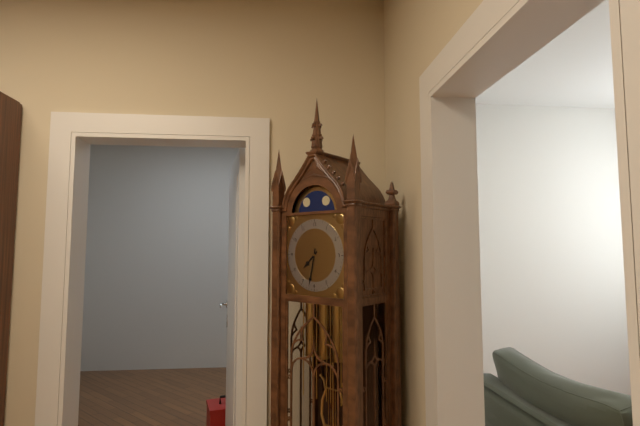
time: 7:32
